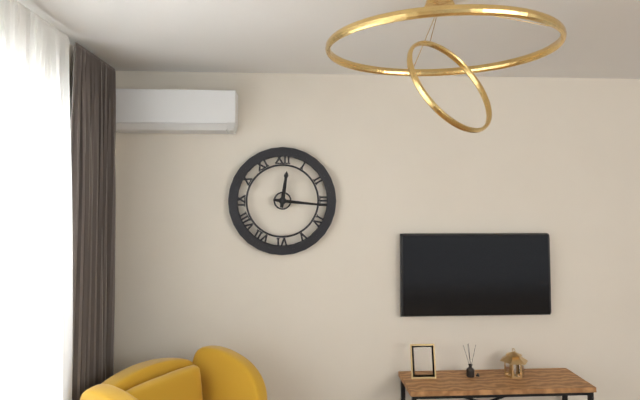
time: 12:16
